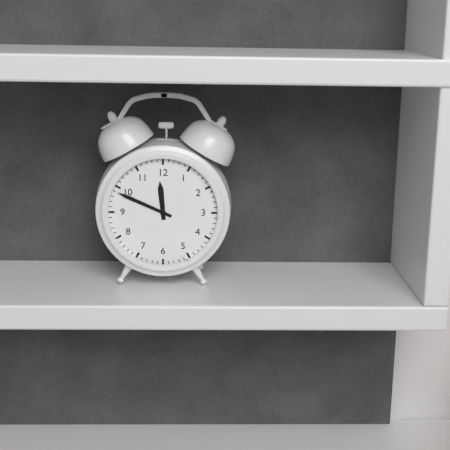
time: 11:49
